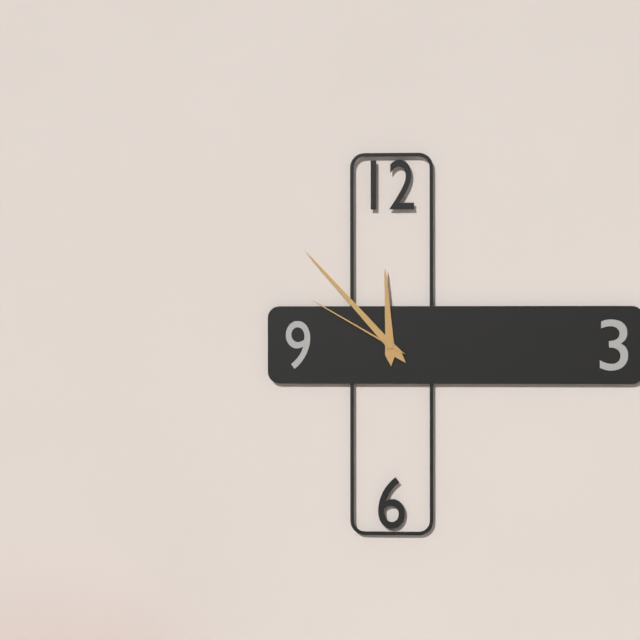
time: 11:53:50
